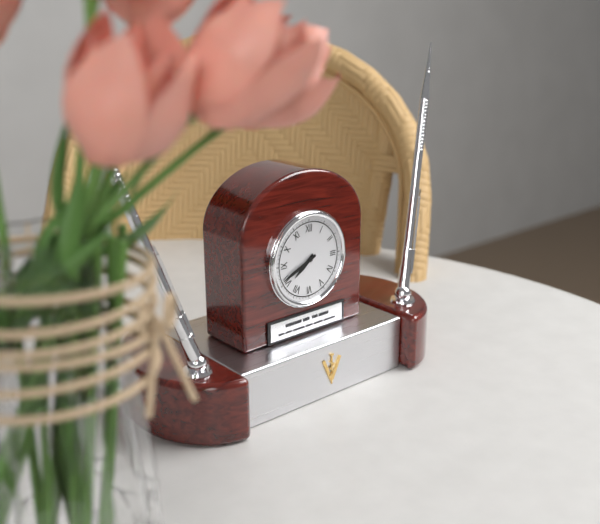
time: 7:41
